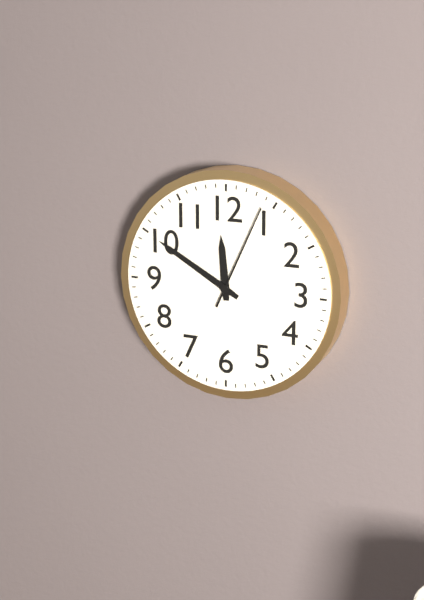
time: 11:50:04
